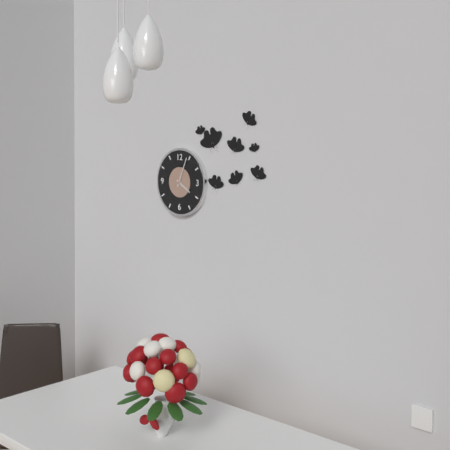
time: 4:04
